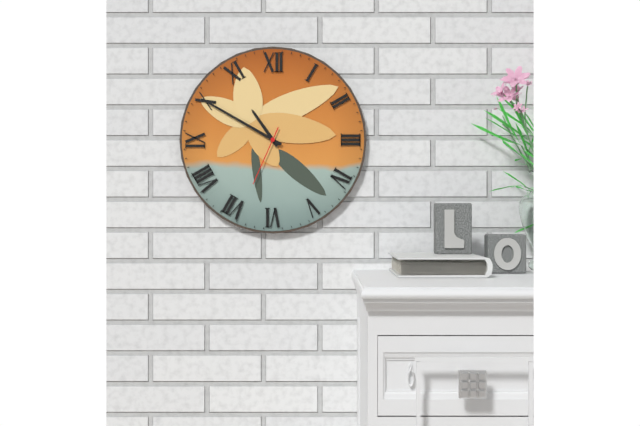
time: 10:50:34
